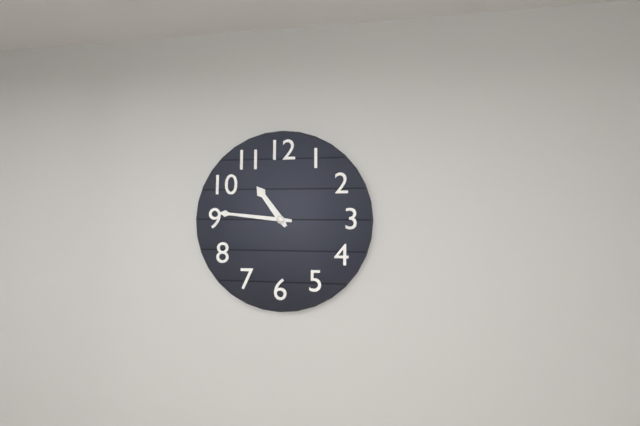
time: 10:46
